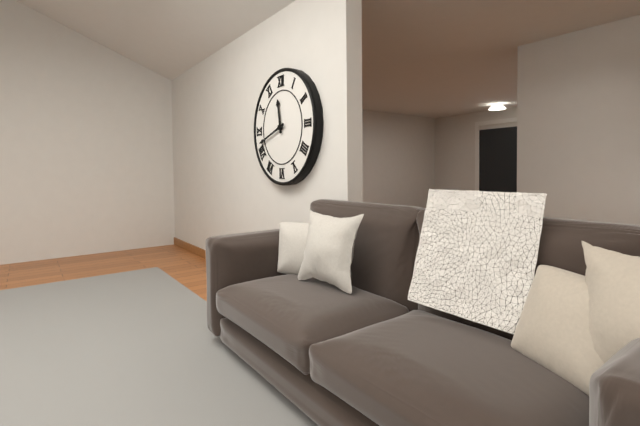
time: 11:42
